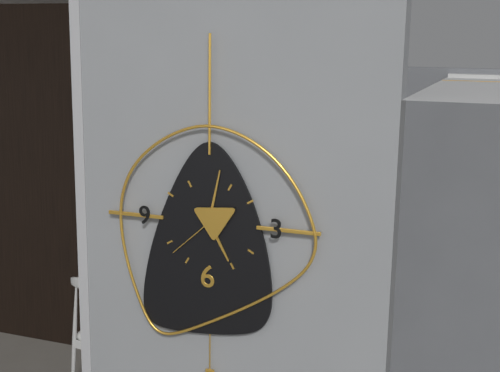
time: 5:02:38
